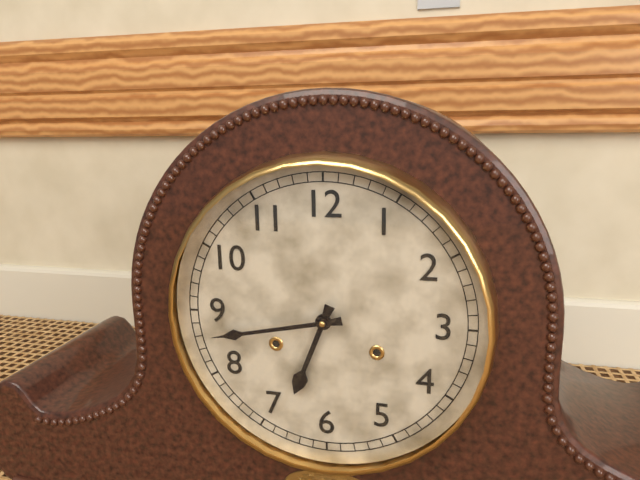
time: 6:43
